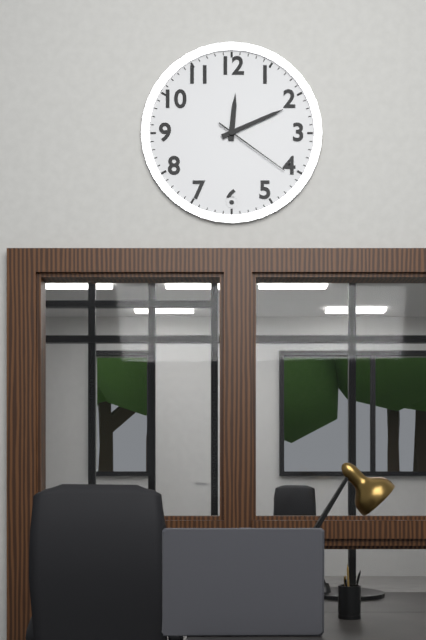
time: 12:11:21
